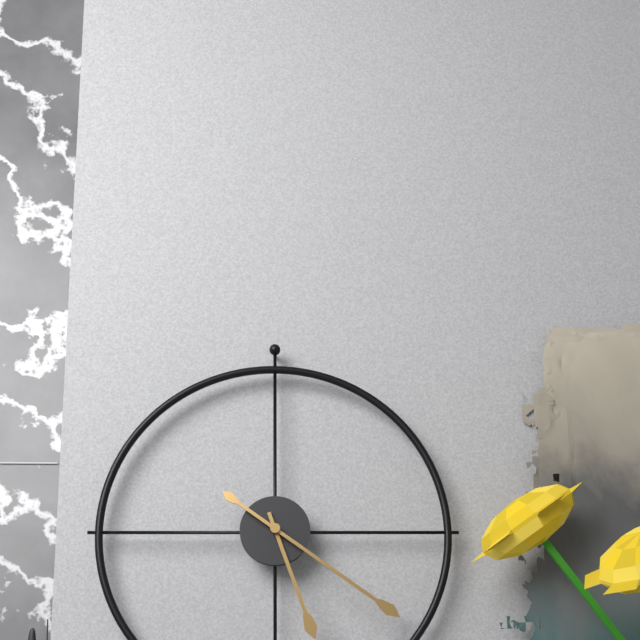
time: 5:21
